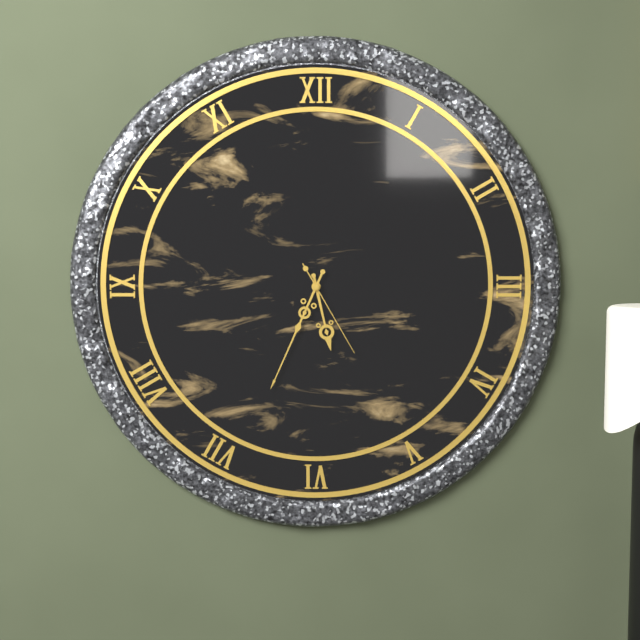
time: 5:34:25
